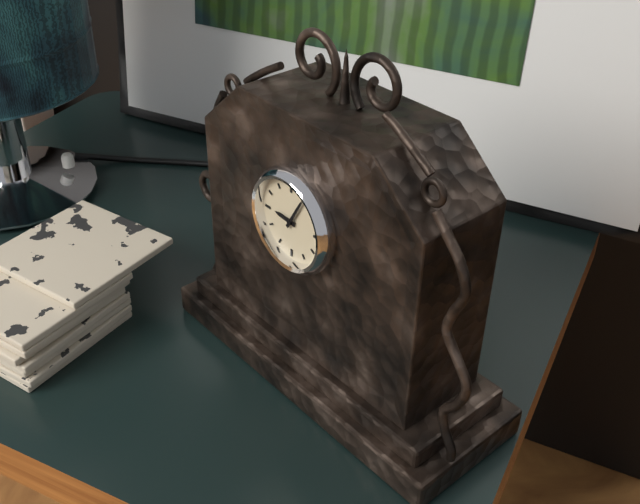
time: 9:05
